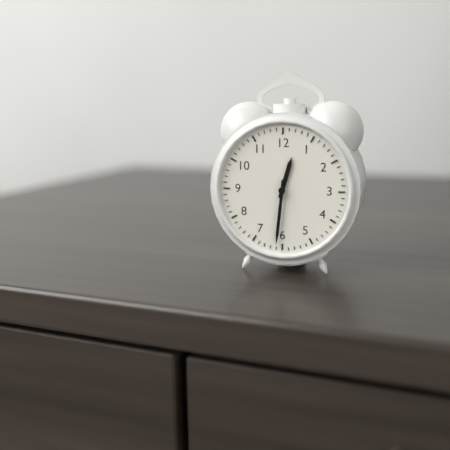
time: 12:31
